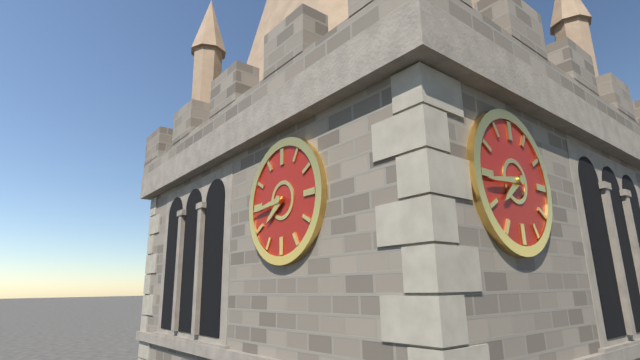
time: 7:44
